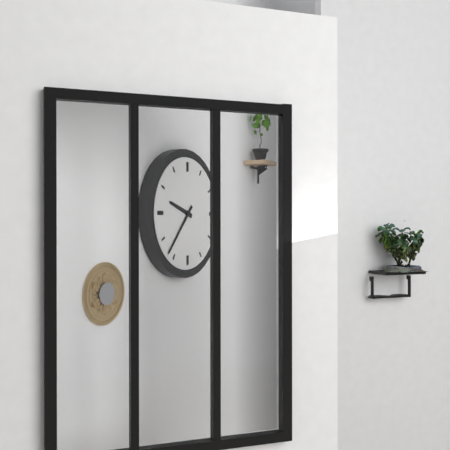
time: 9:37
